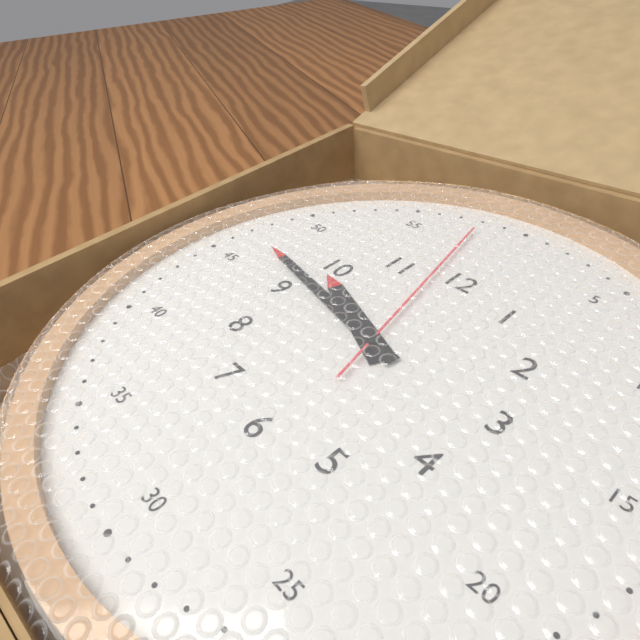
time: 9:47:58
